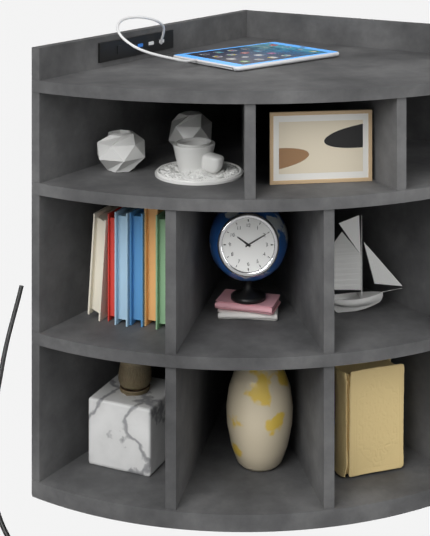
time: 10:10
